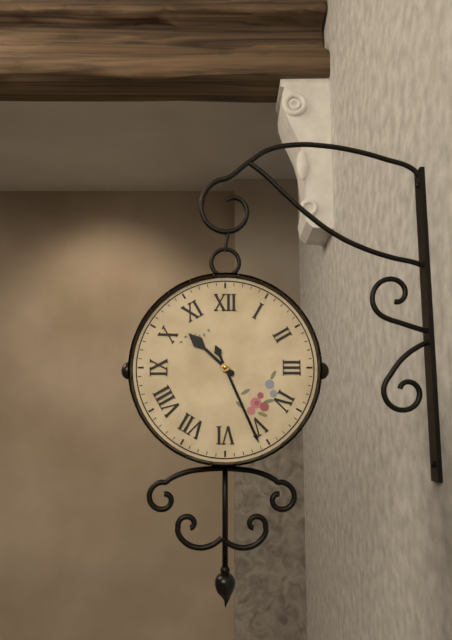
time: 10:26
